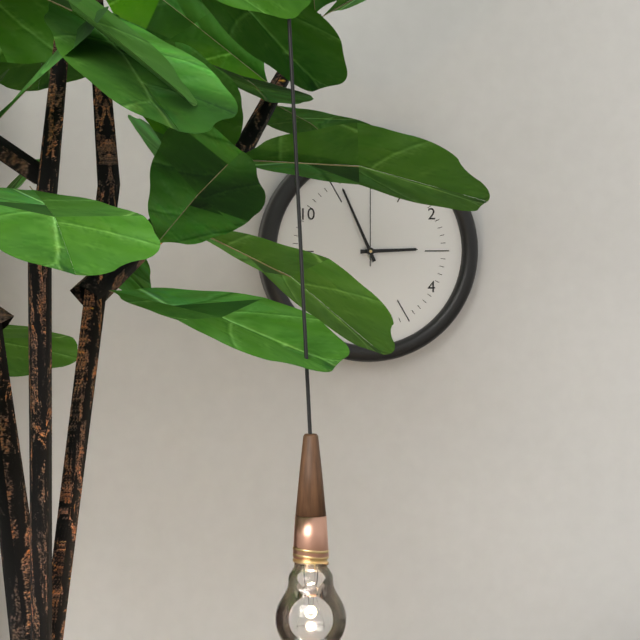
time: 2:56:00
